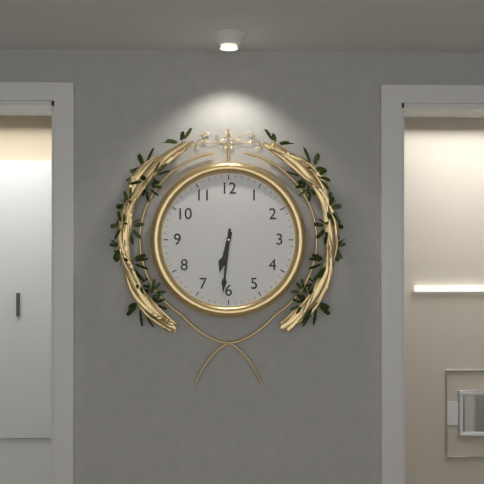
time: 6:31
